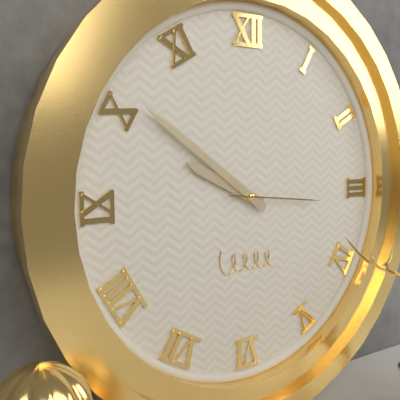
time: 9:51:16
